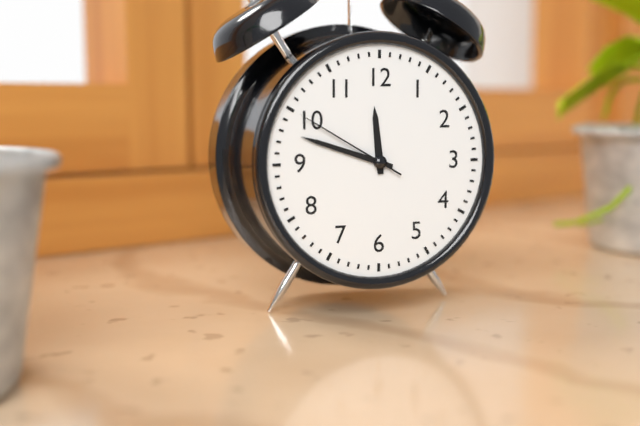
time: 11:48:50
